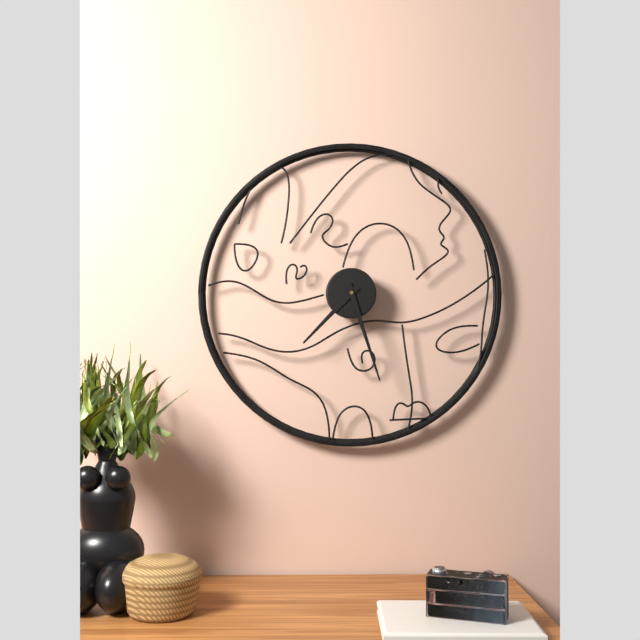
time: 7:27
